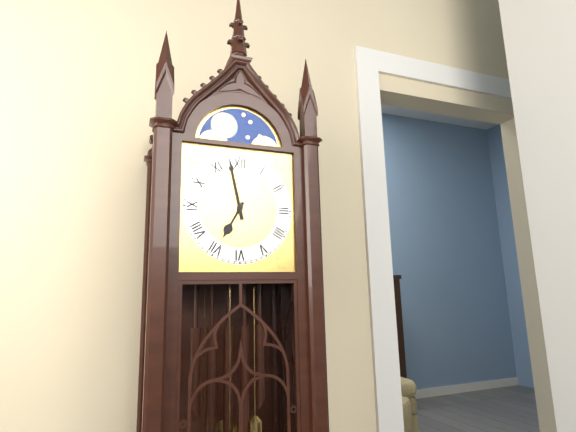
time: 6:58
